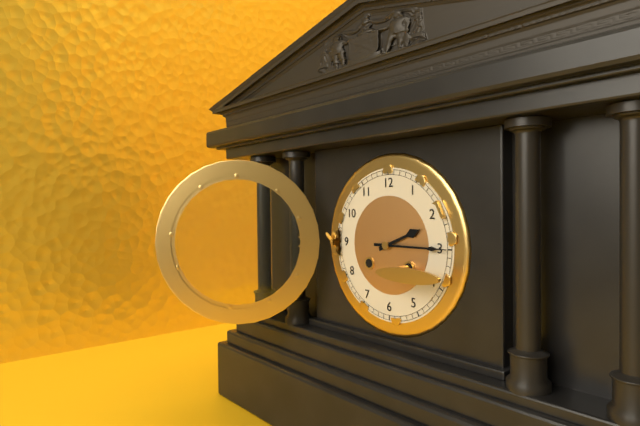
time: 2:15
